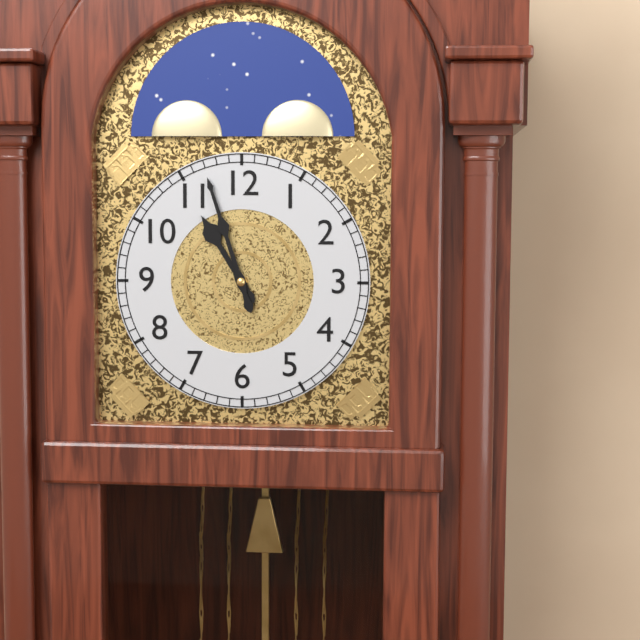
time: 10:57
